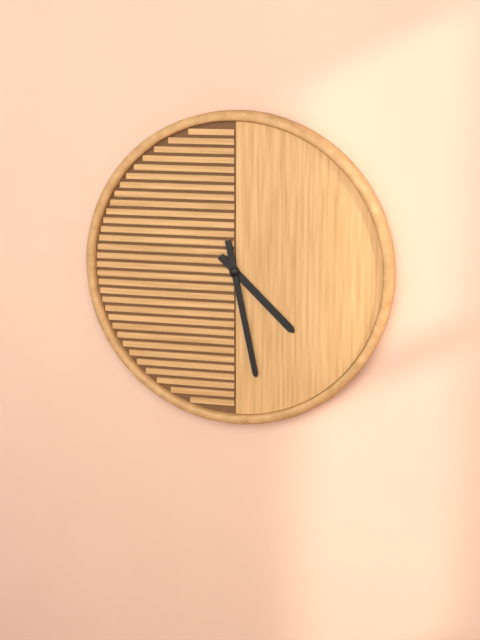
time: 4:28
